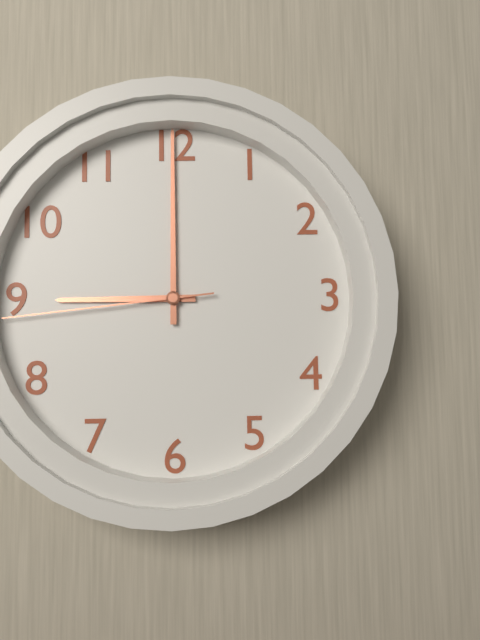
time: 9:00:44
